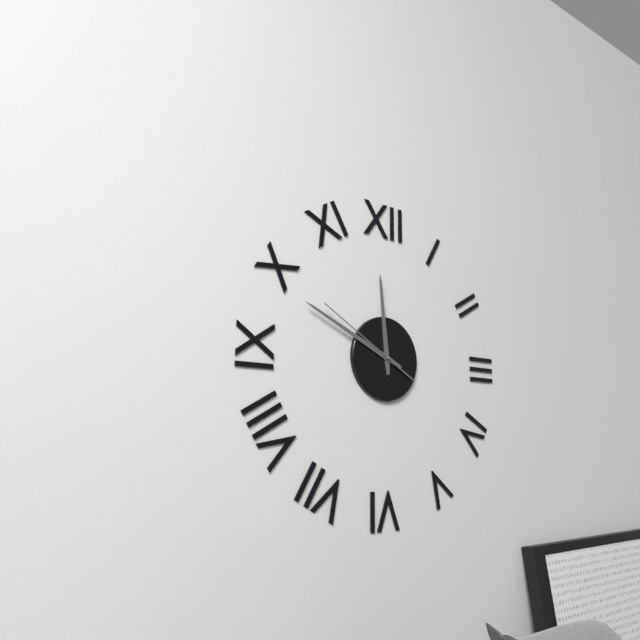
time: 11:49:50
